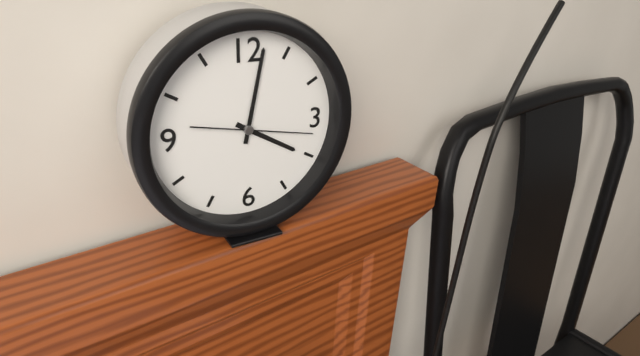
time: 4:02:17
